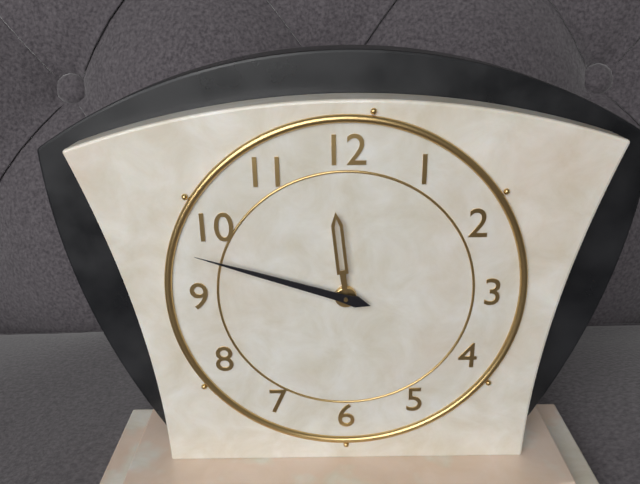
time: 11:48
